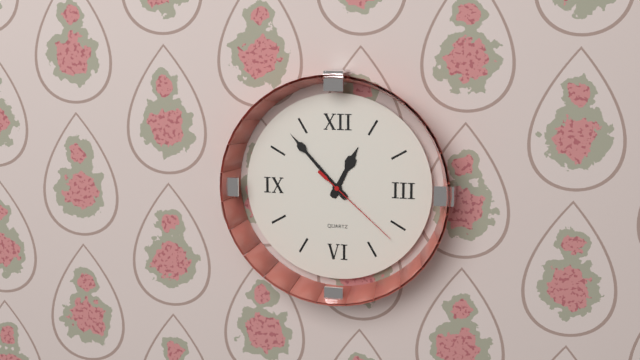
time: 12:53:22
